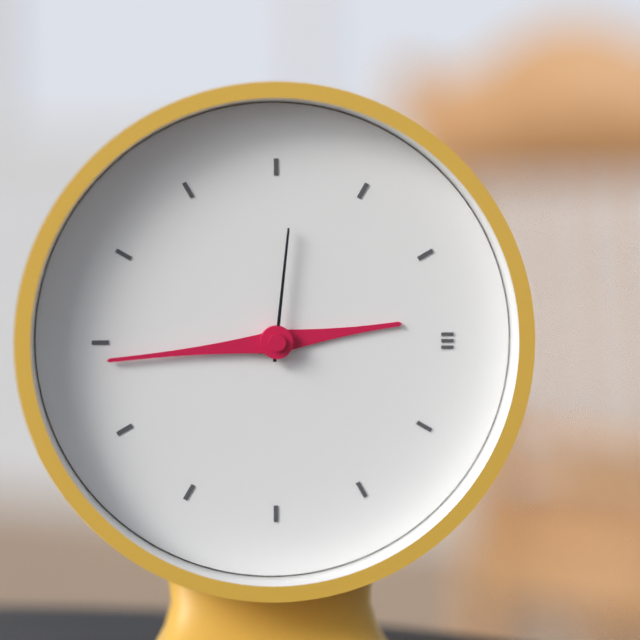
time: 2:44:01
